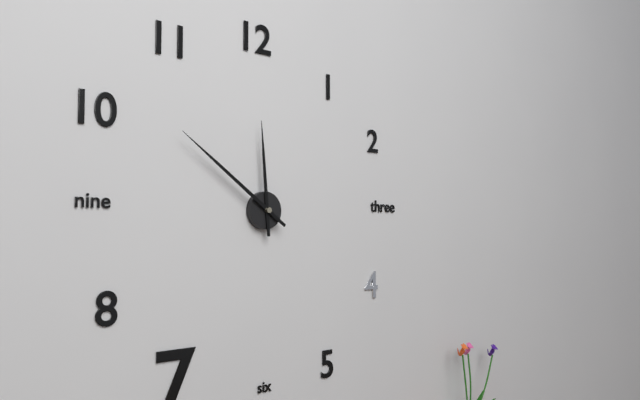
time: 11:51
